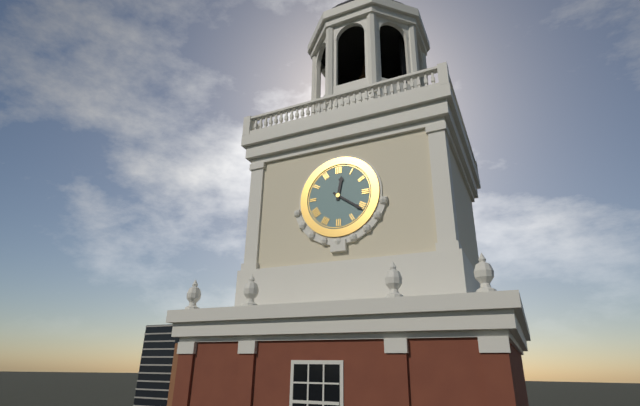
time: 12:21
